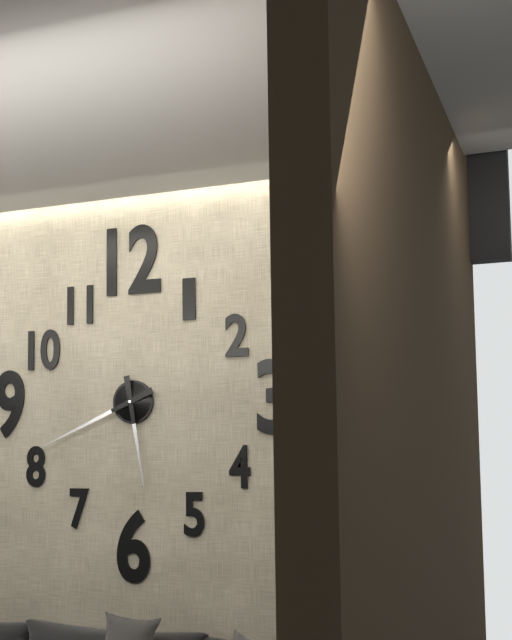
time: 5:41
